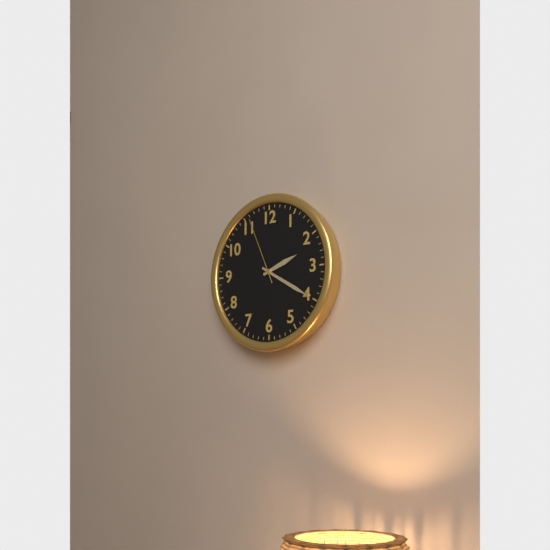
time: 2:20:56
